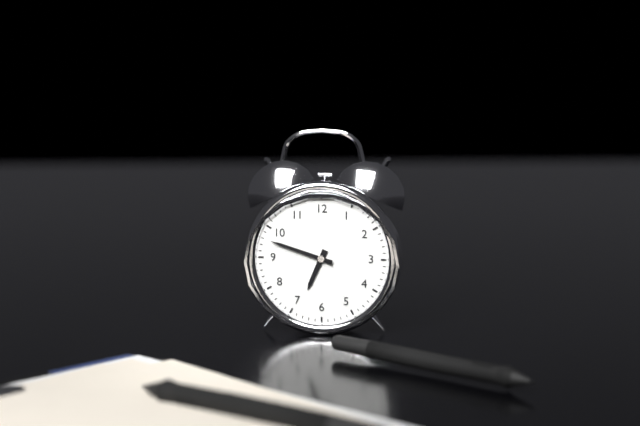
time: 6:48
